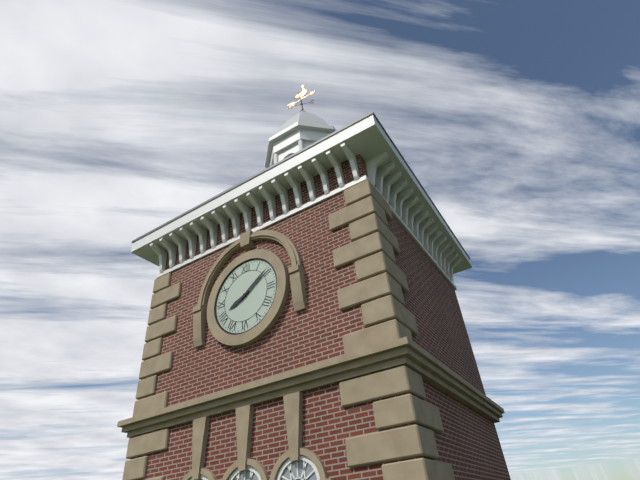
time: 8:09
